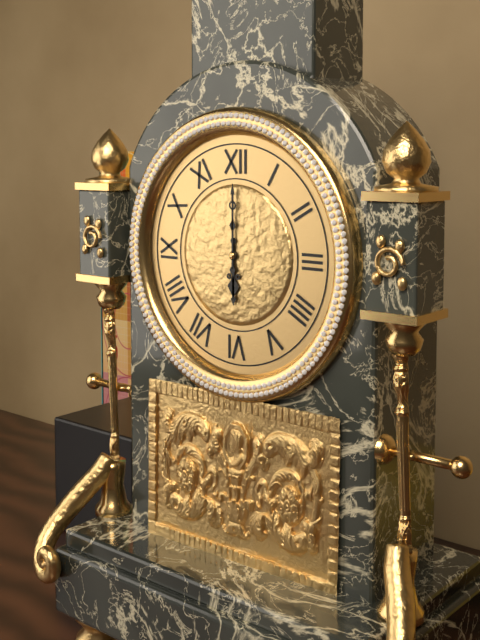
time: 6:00
